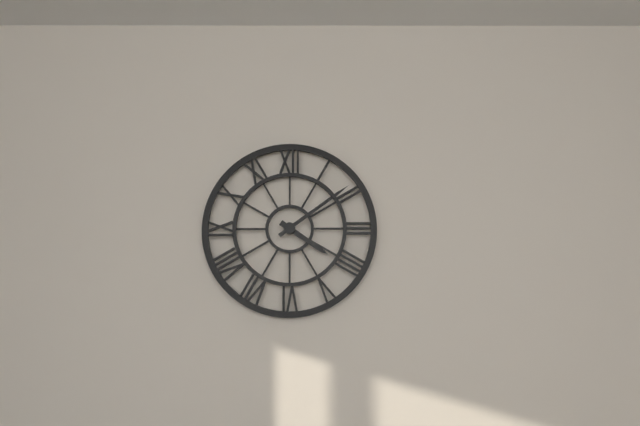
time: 4:09
